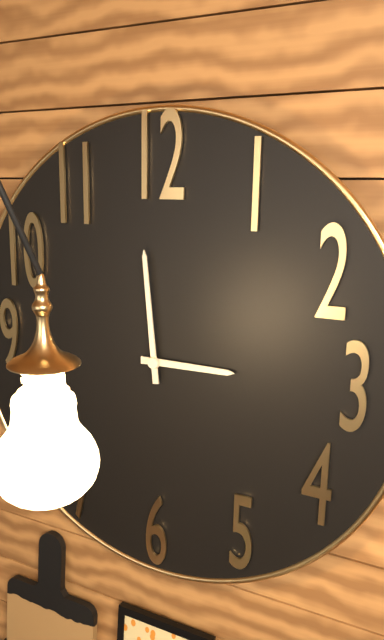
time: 2:59
